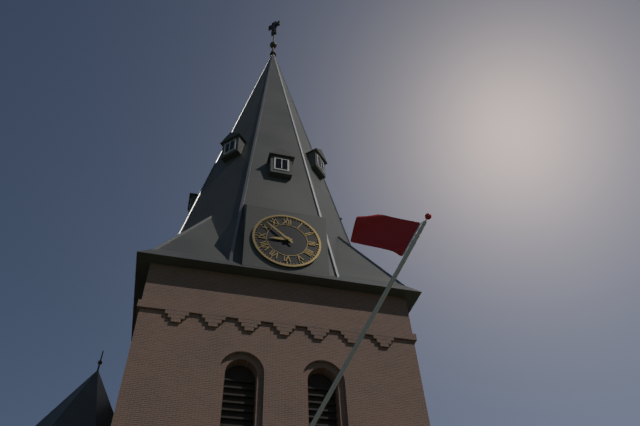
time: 8:52
